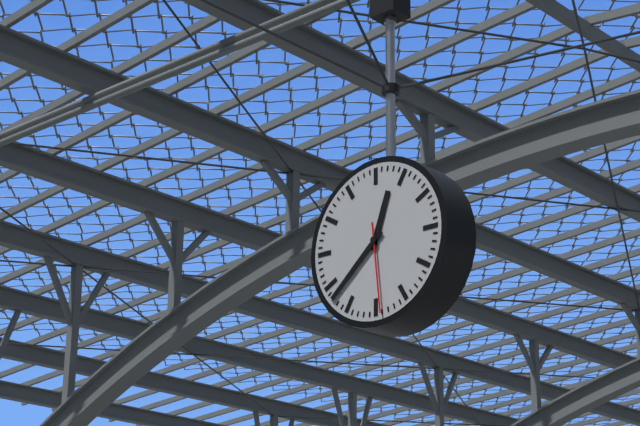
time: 12:38:29
